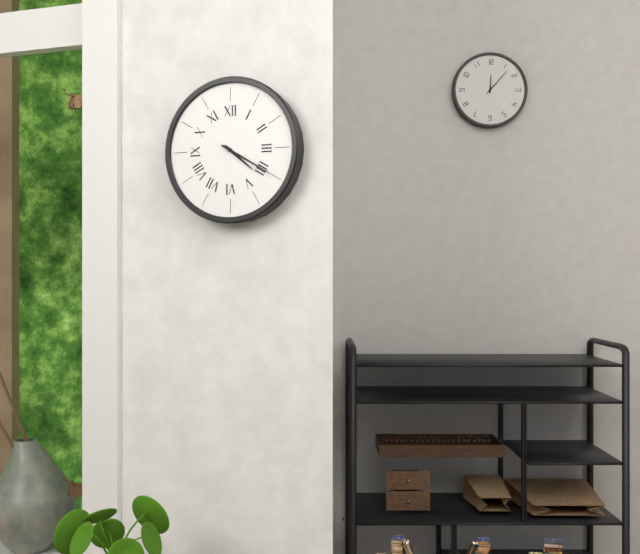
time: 4:20
